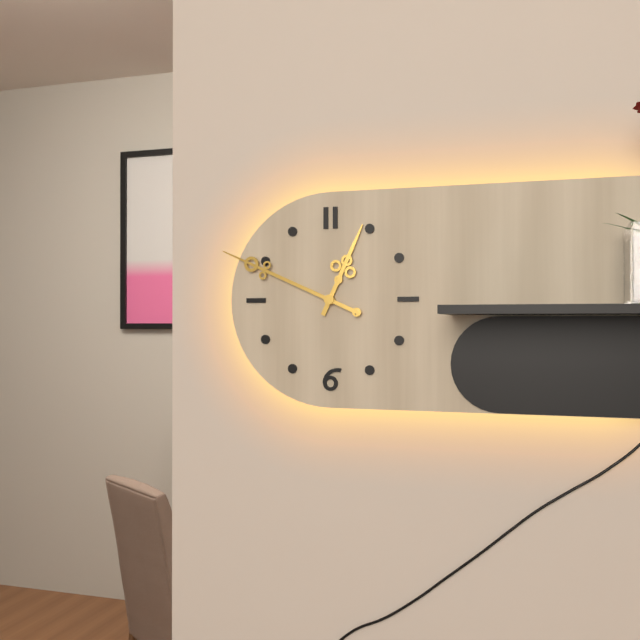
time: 12:49
